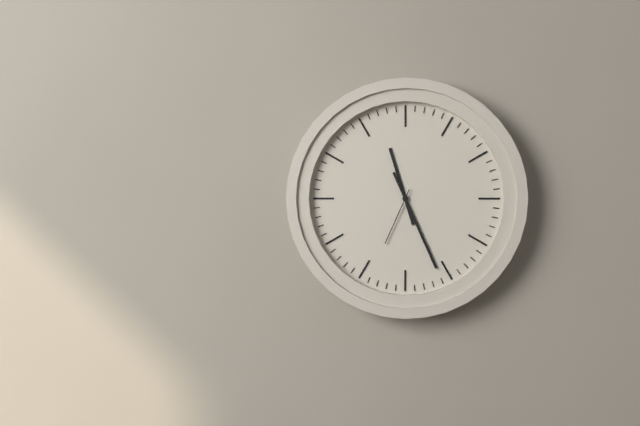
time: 11:26:34
